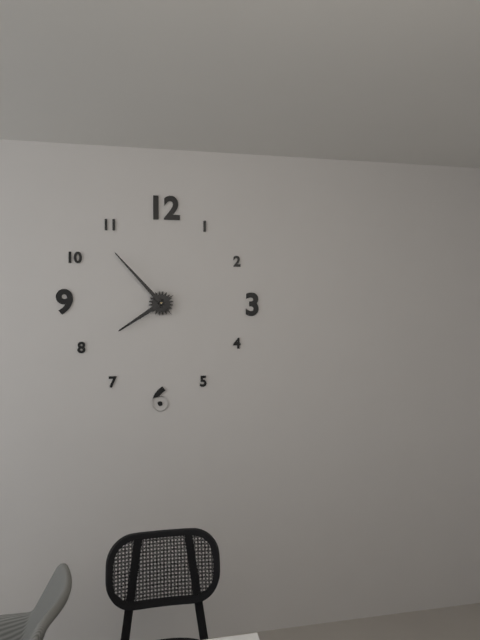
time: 7:53
